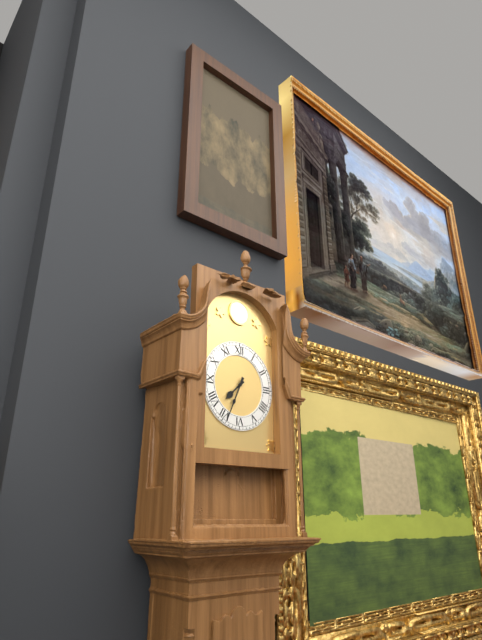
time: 7:34
